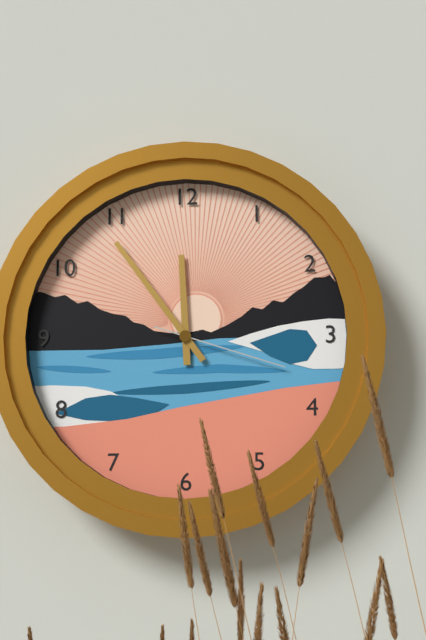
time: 11:54:18
